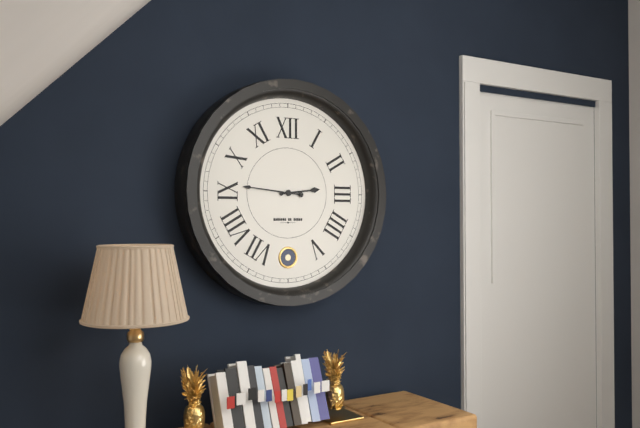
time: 2:46
